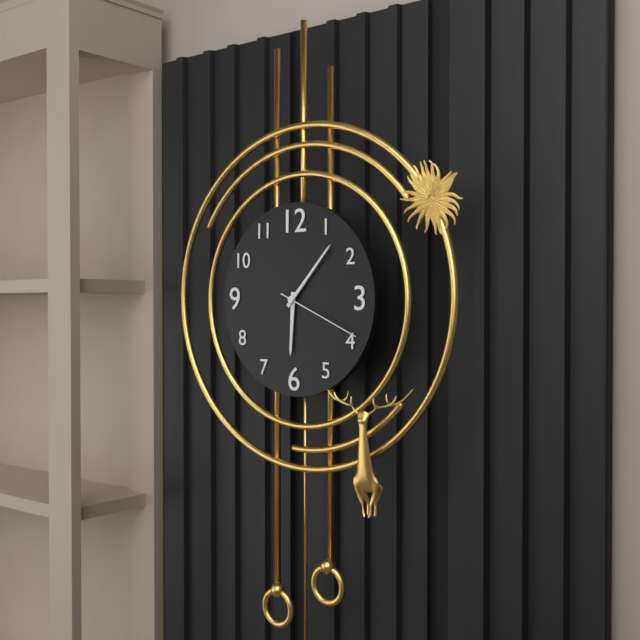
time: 6:07:19
